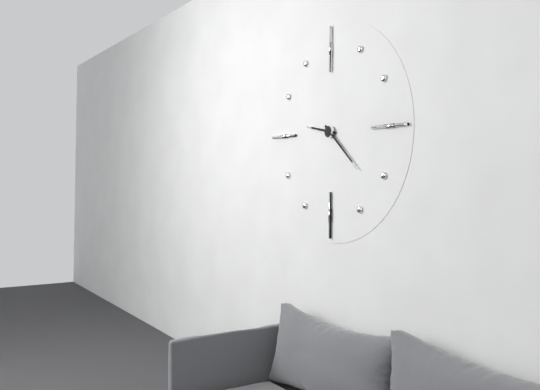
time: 9:22
